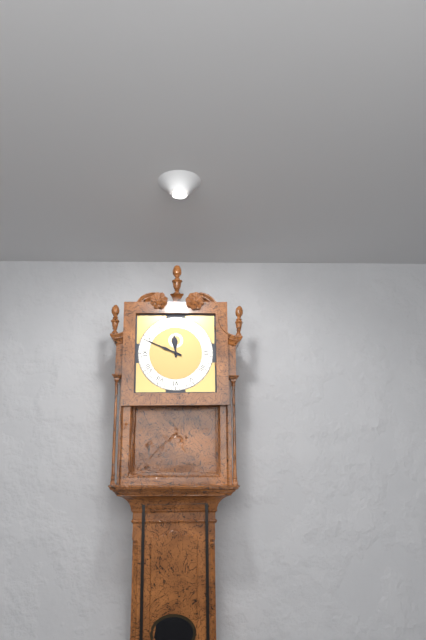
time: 11:49
